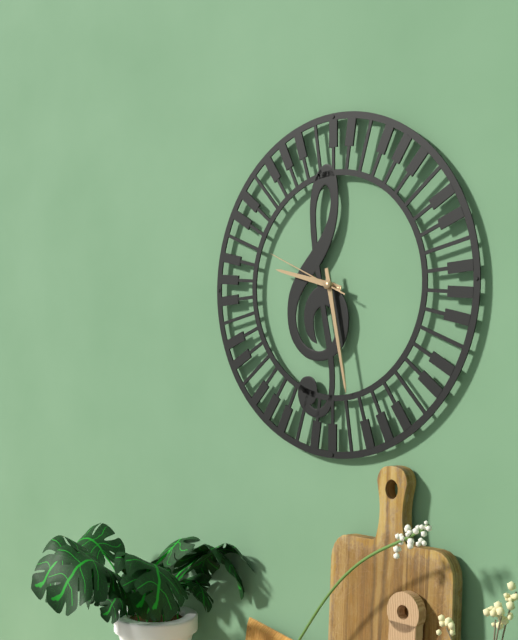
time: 9:28:49
